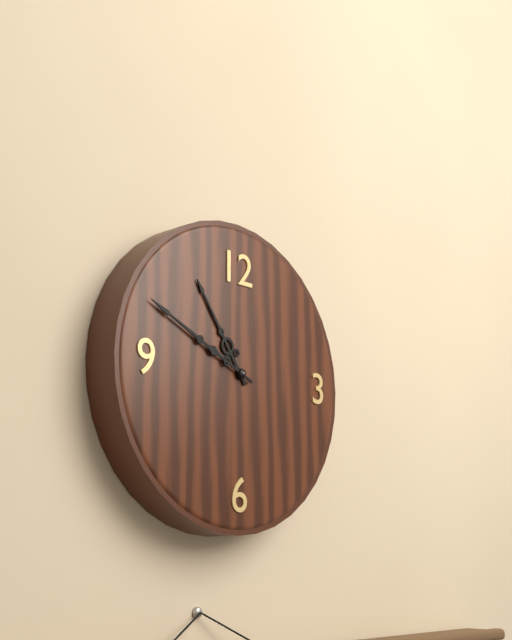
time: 10:49
